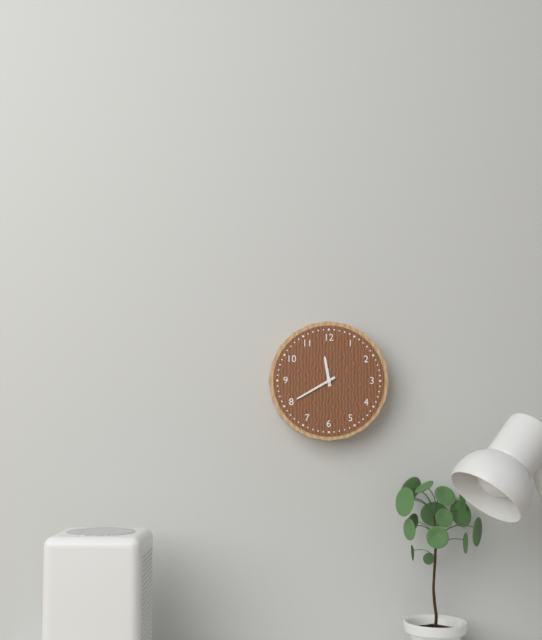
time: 11:40
